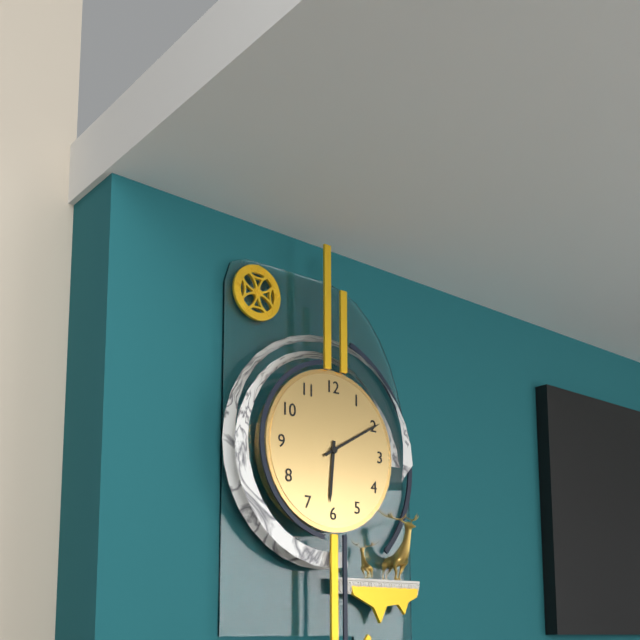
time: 6:10
